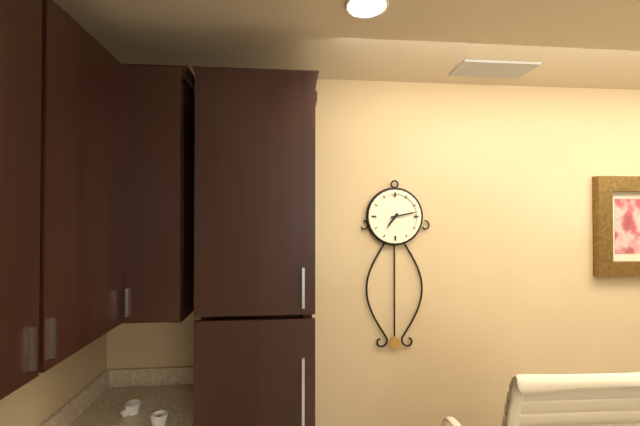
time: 7:13
